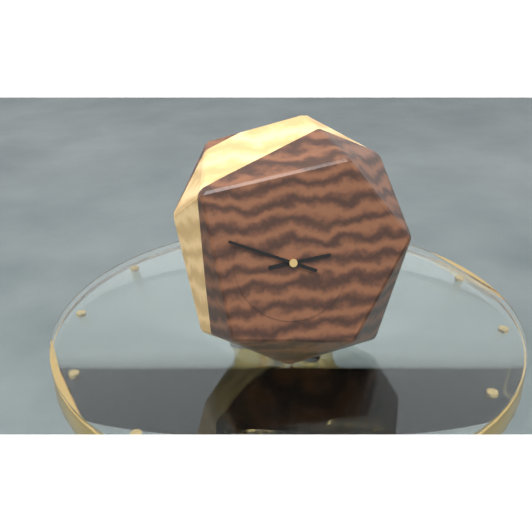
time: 2:49
